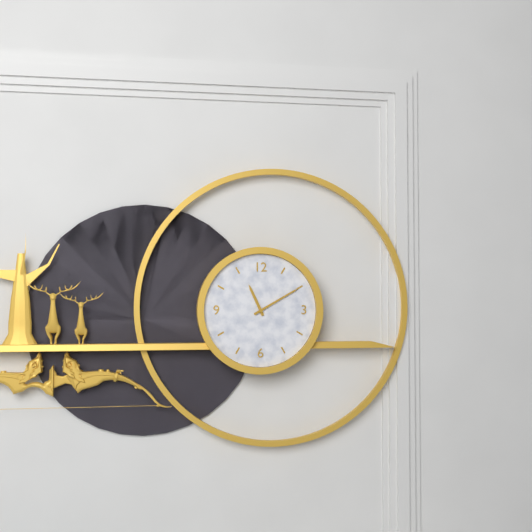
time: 11:10
